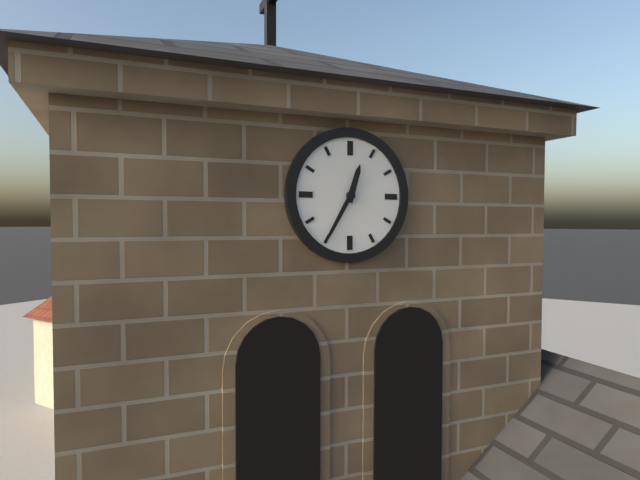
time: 12:35
